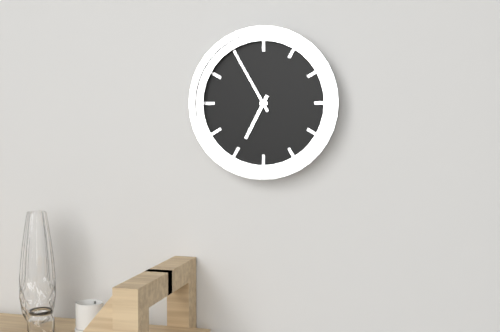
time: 6:55
